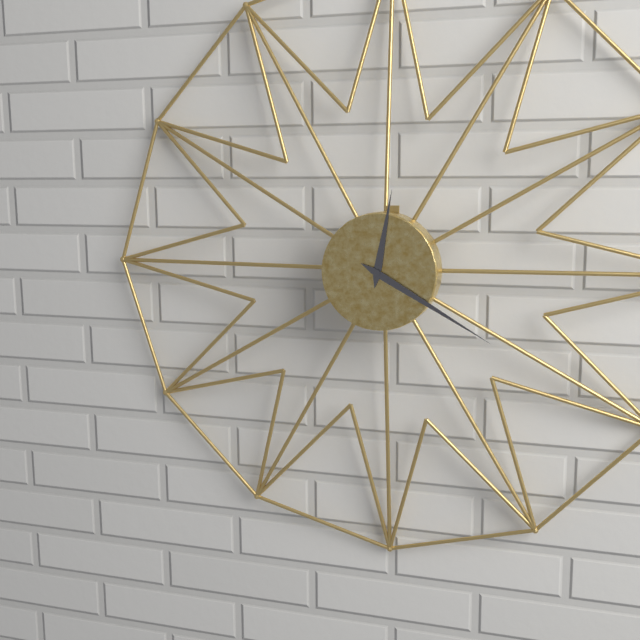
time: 12:20
